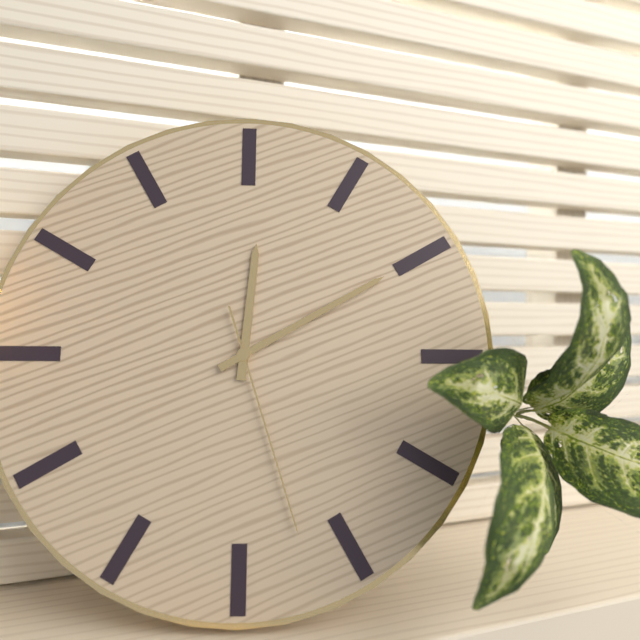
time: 12:10:27
